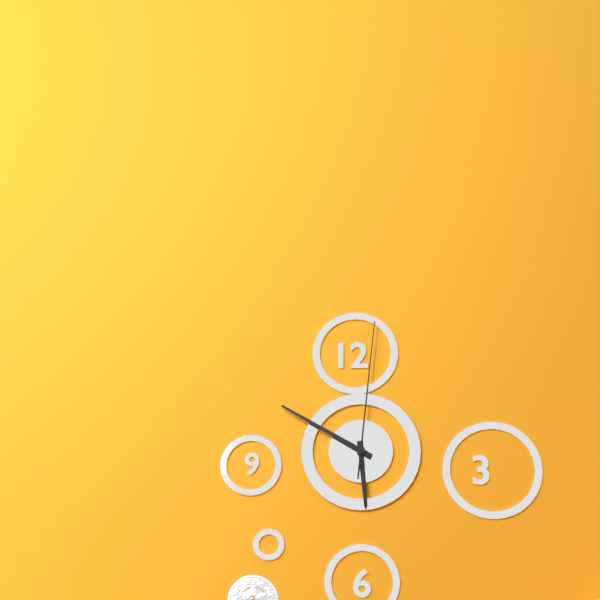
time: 5:50:01
